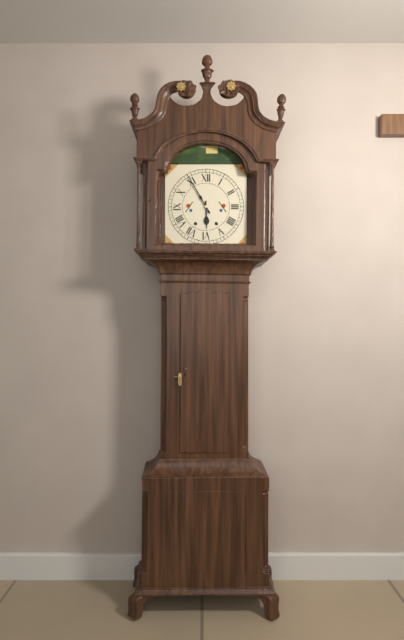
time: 5:55
